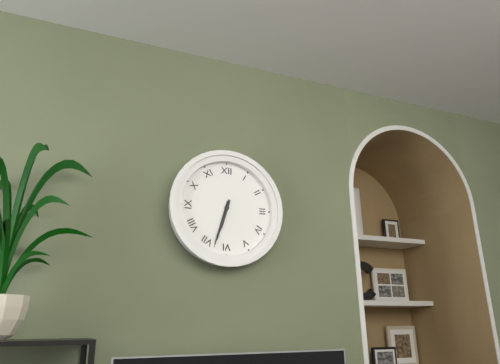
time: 6:33
